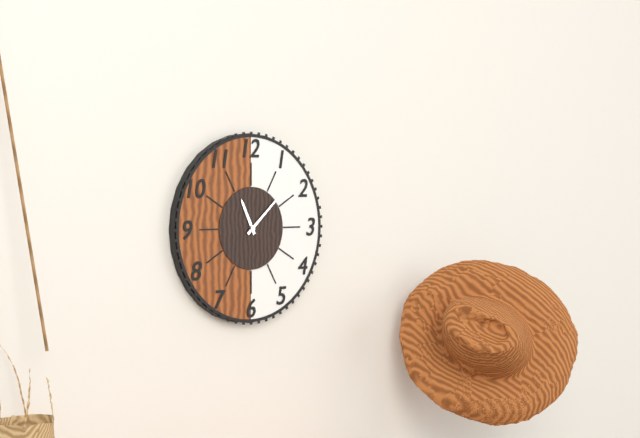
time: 11:08
